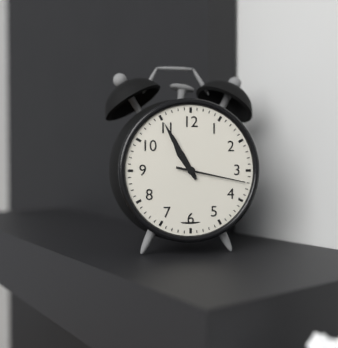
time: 10:55:17
